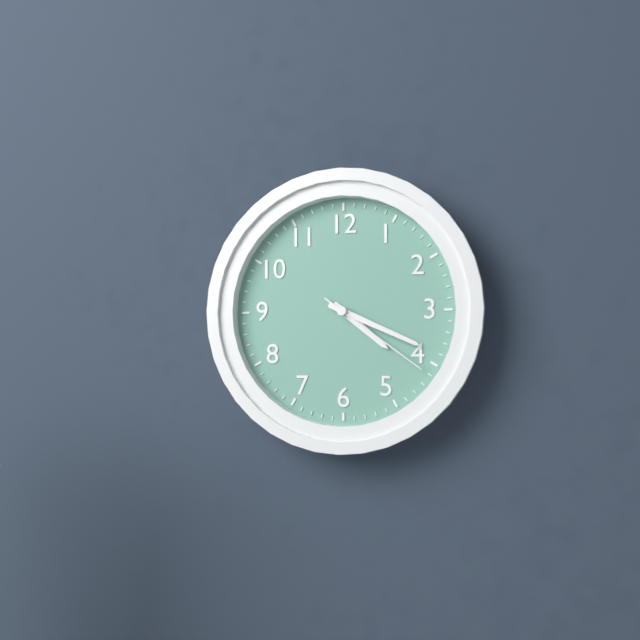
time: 4:19:21
